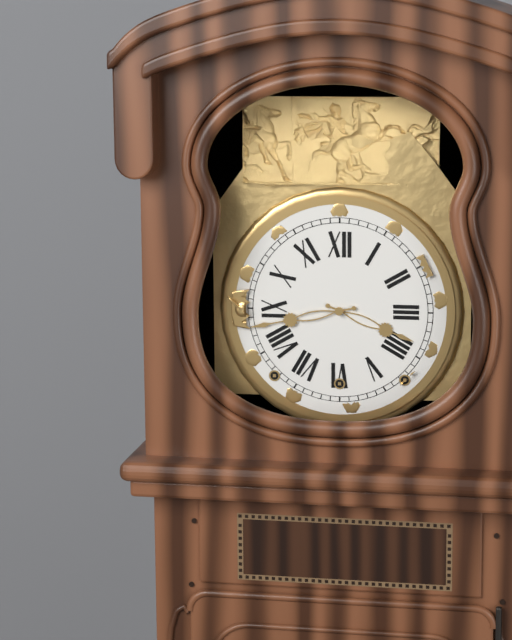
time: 3:43
